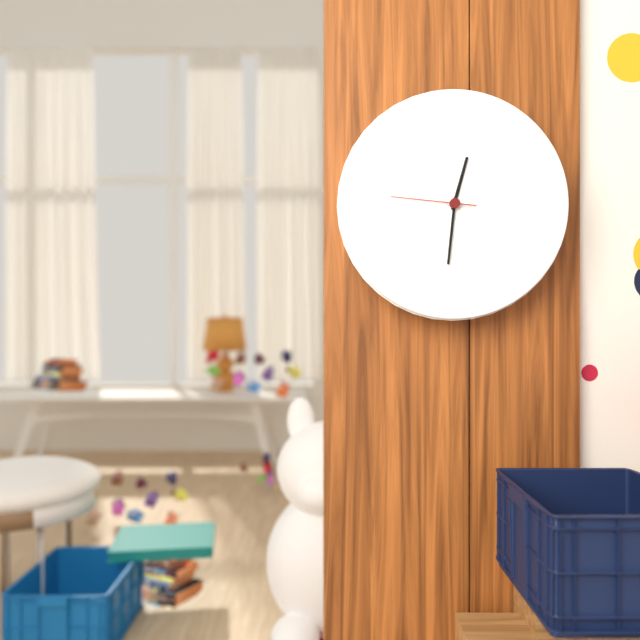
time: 12:31:46
